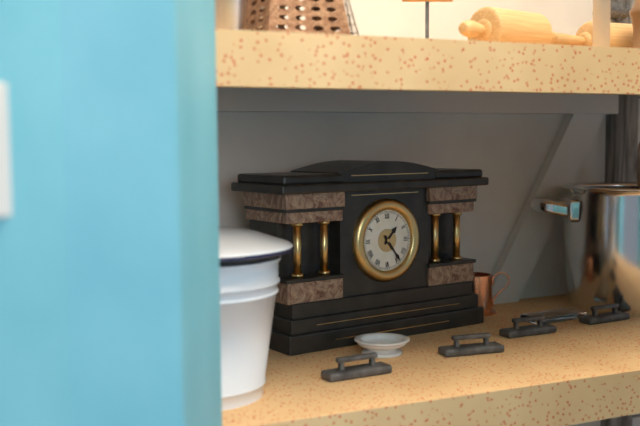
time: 1:24
